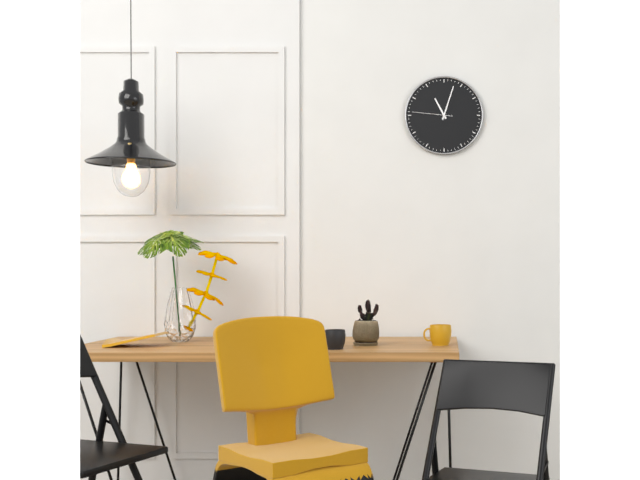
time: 11:03
